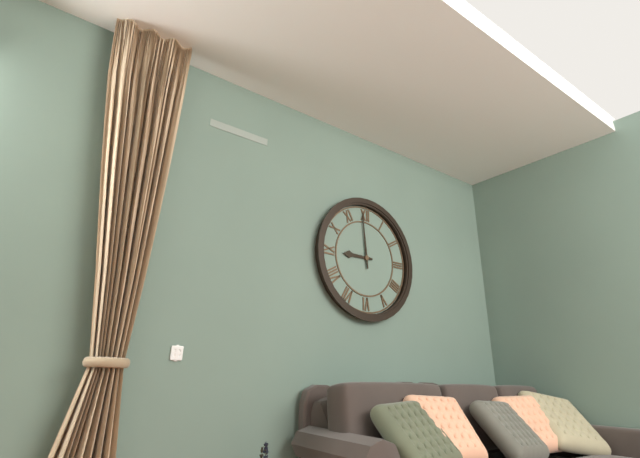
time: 8:59
